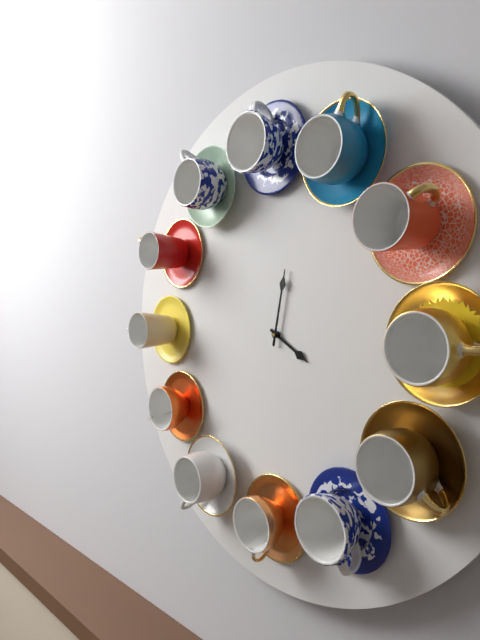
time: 4:02
